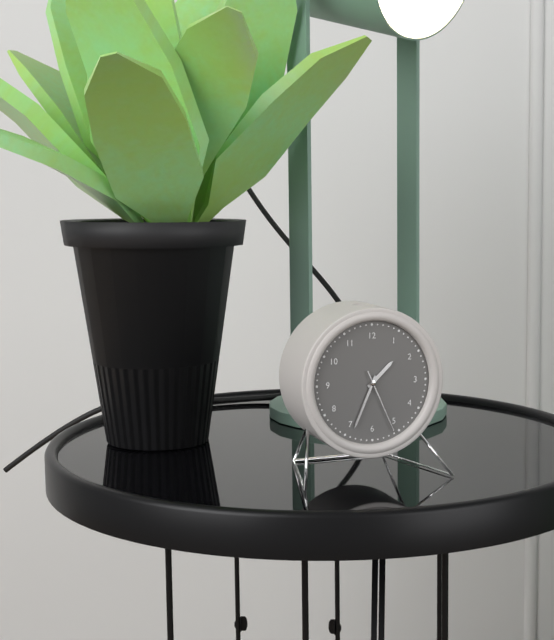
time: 1:34:26
